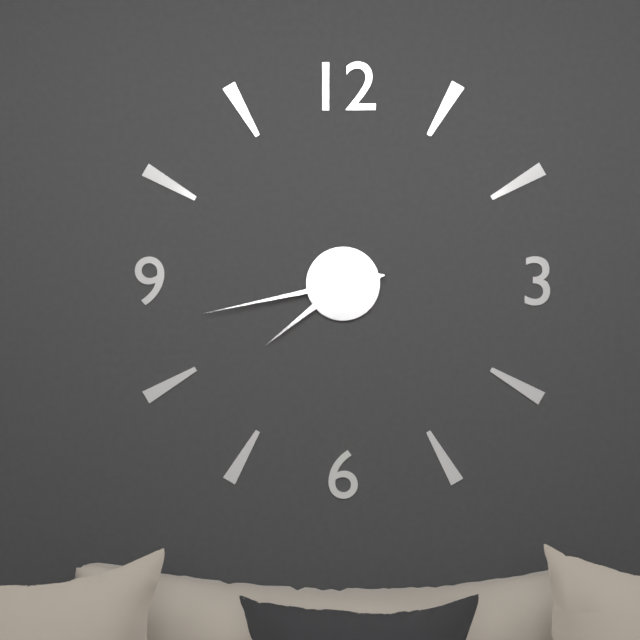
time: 7:43
